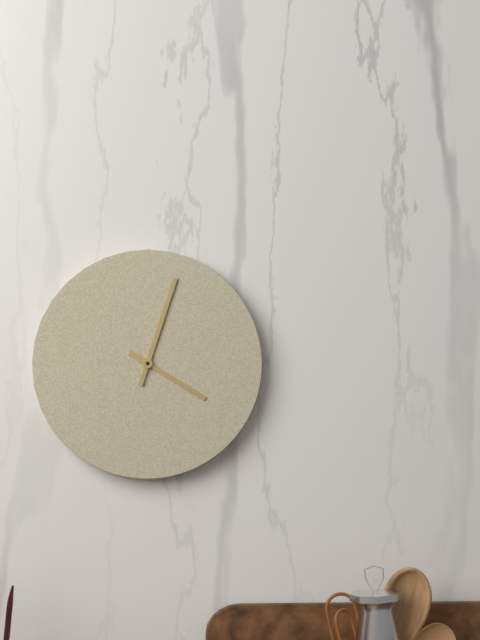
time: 4:03
